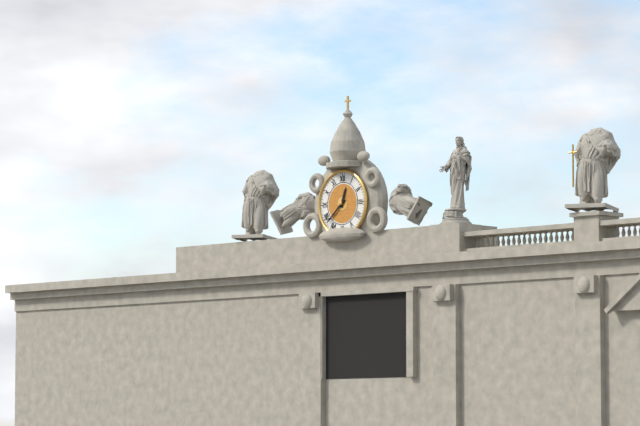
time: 12:38
